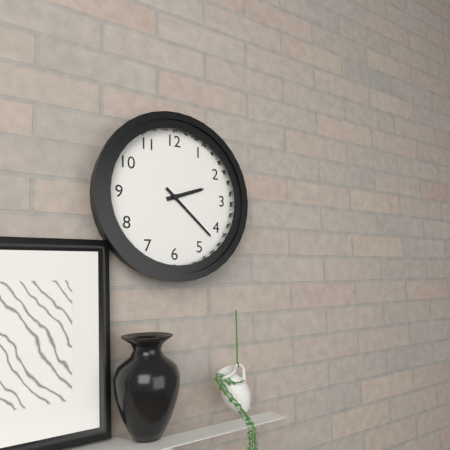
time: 2:22
